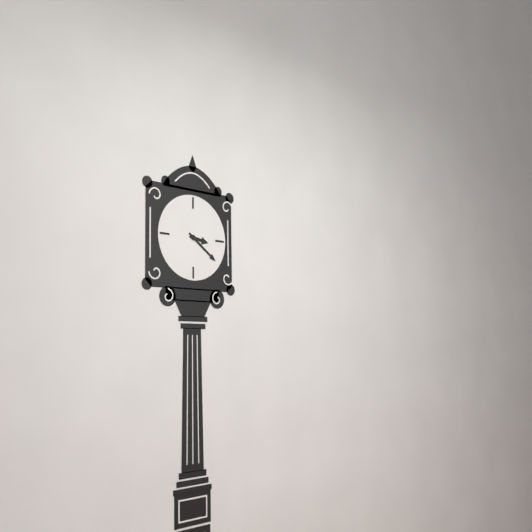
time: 3:21
